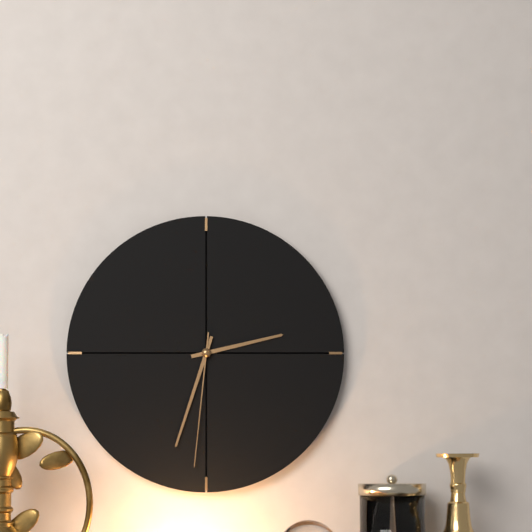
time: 2:33:31
